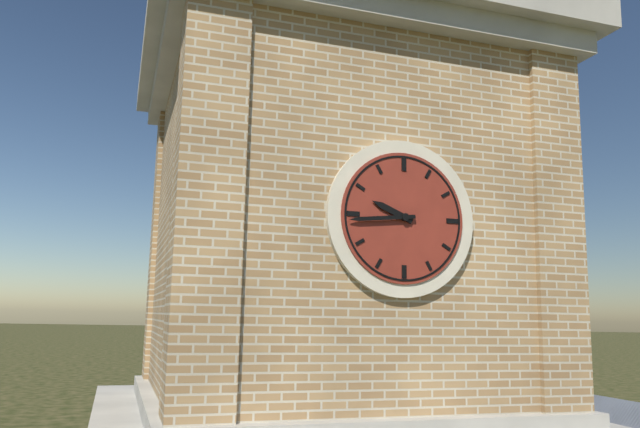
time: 9:44
